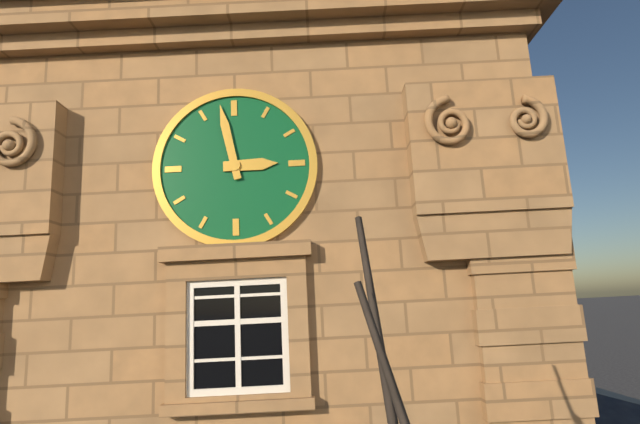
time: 2:58
